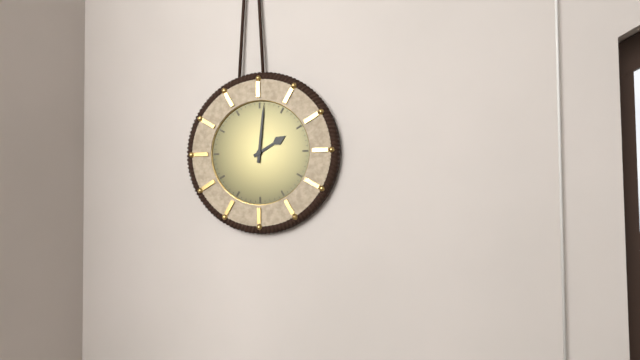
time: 2:01
